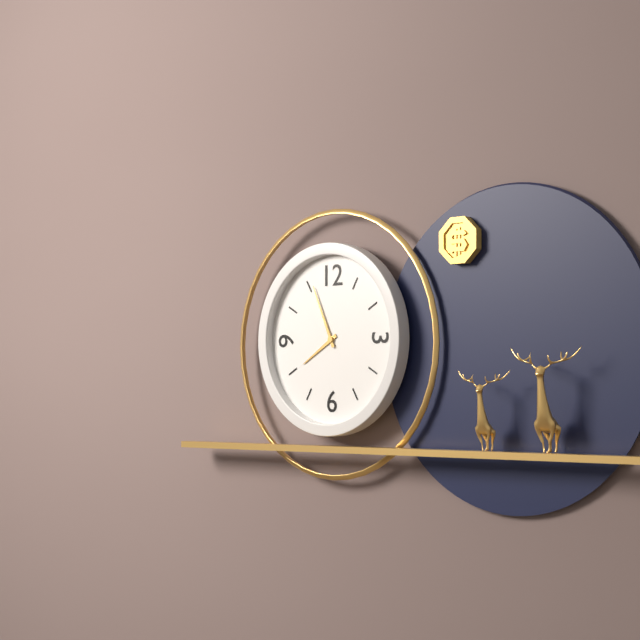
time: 7:56
